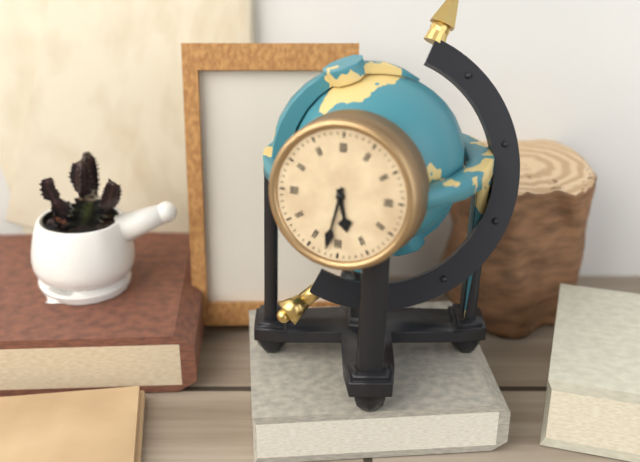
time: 5:32
